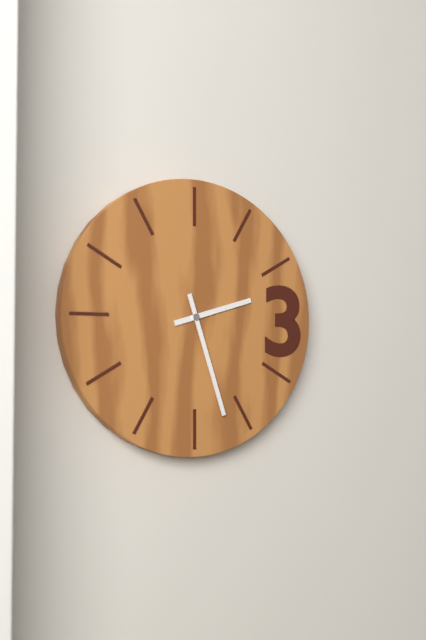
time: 2:27
